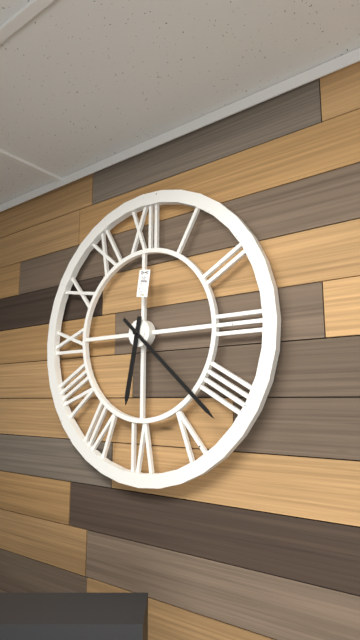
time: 6:22
